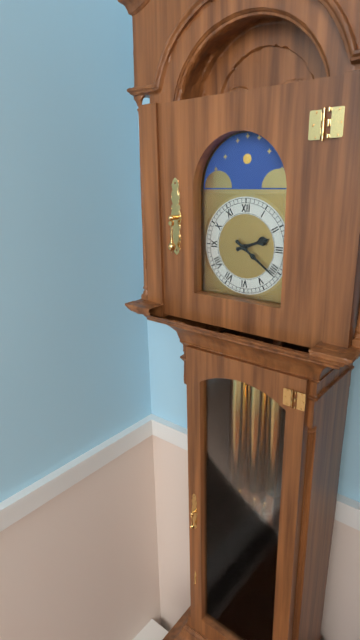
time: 2:21
